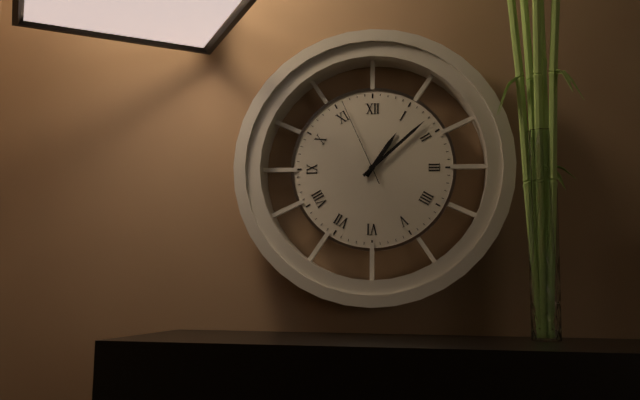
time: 1:08:56
